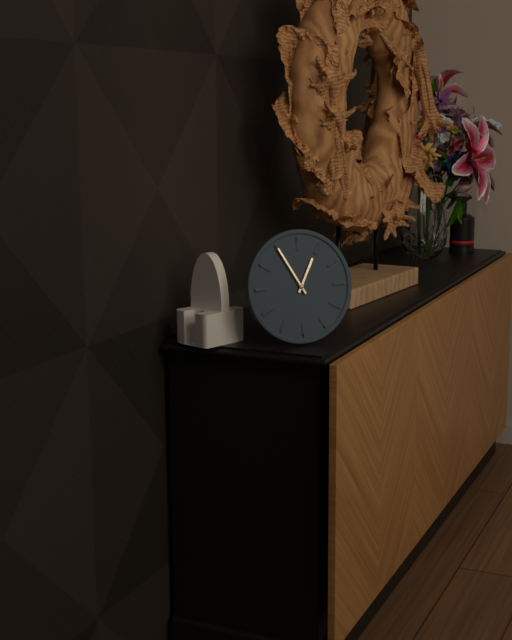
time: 12:55
